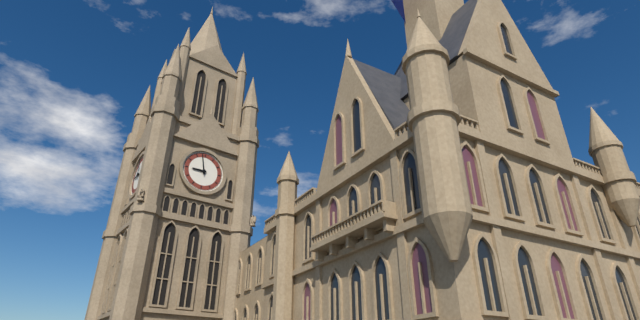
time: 8:58
